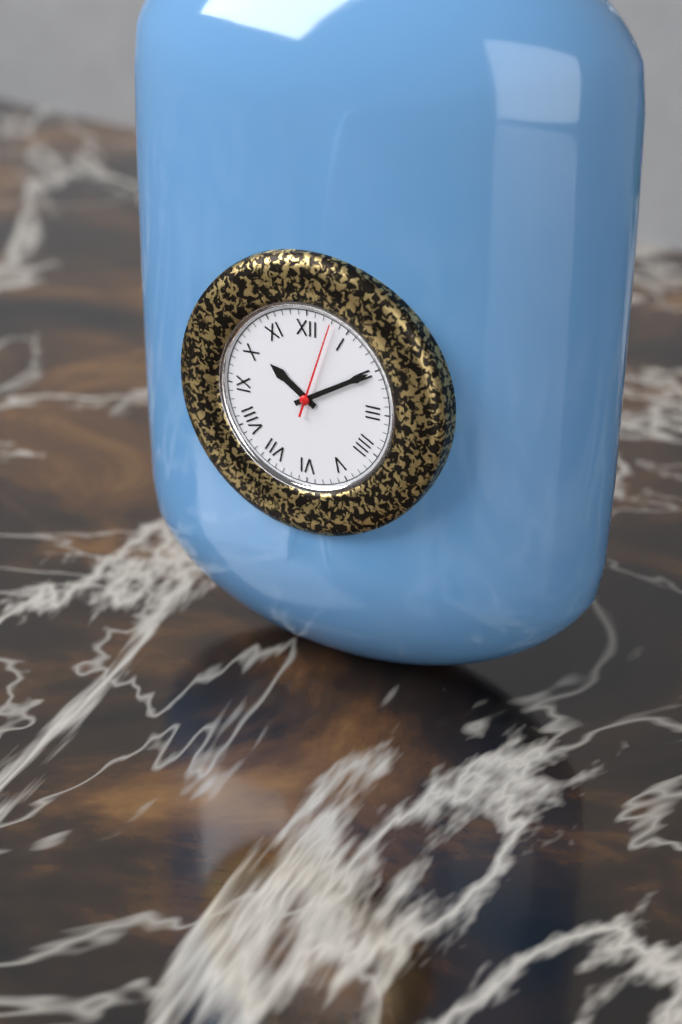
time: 10:10:03
